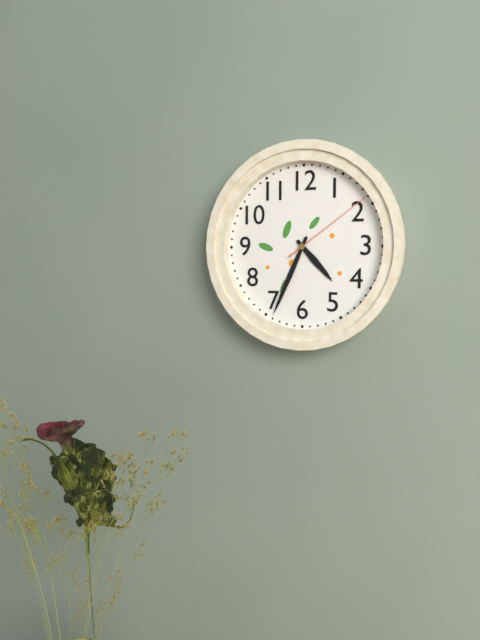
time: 4:34:09
